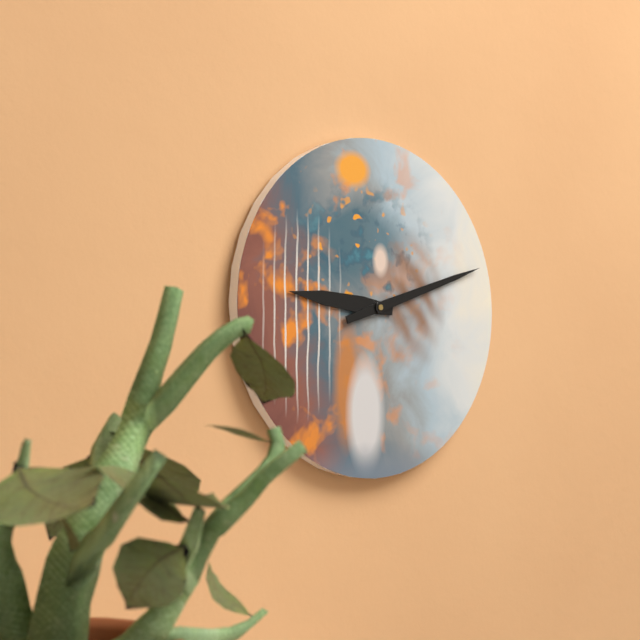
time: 9:12
